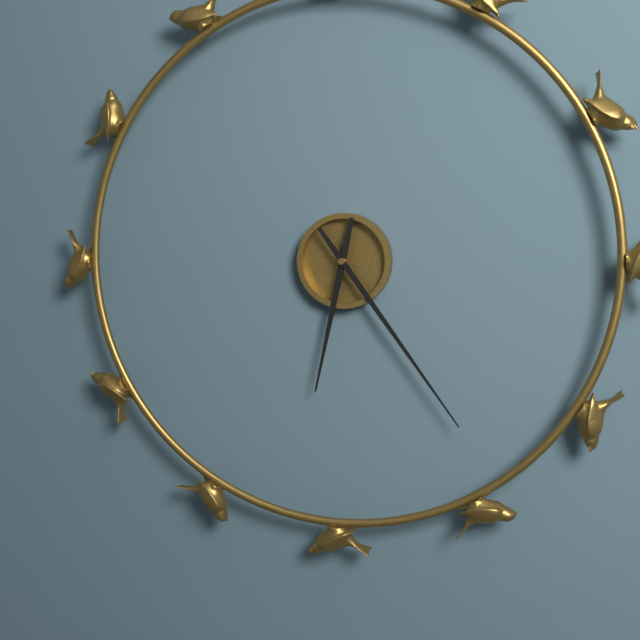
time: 6:24
